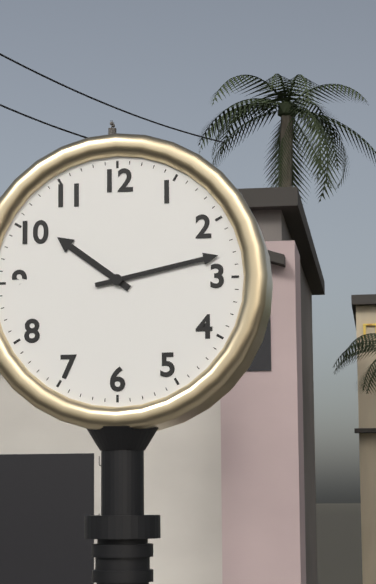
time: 10:13
